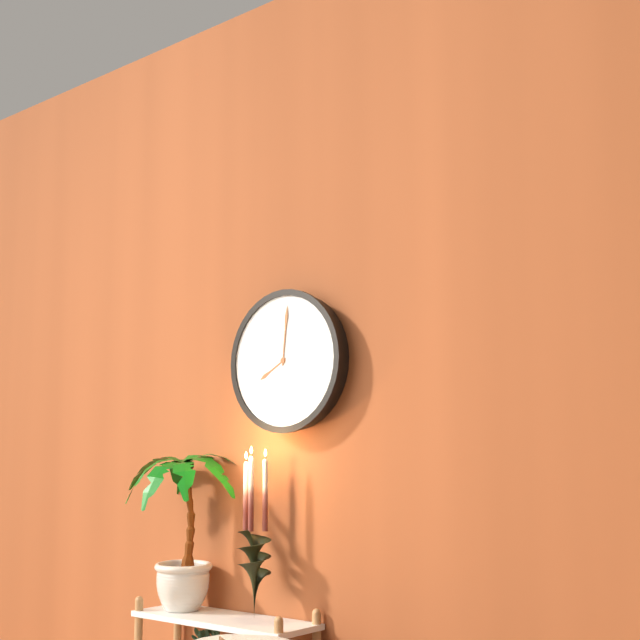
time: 8:01
